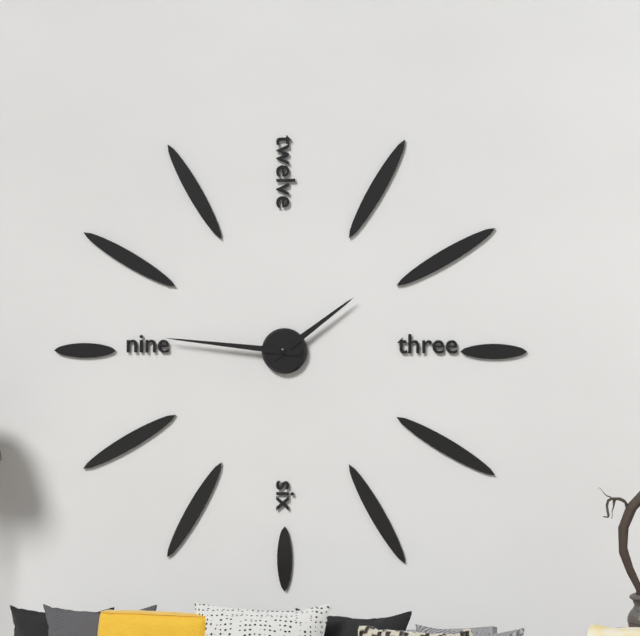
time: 1:46
